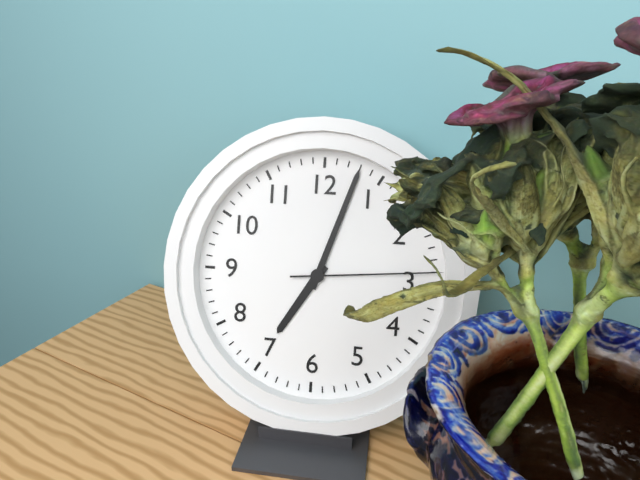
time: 7:03:14
